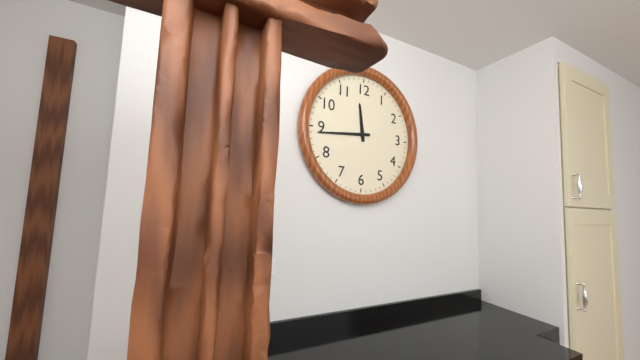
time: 11:44
